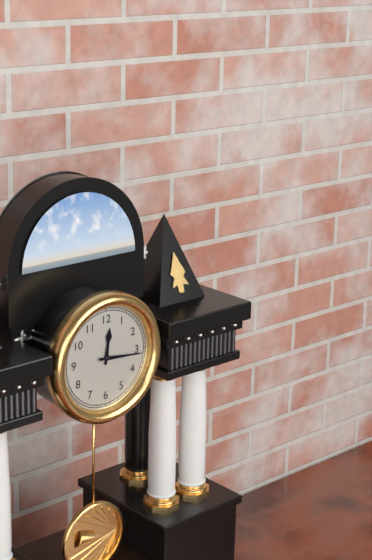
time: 12:16
